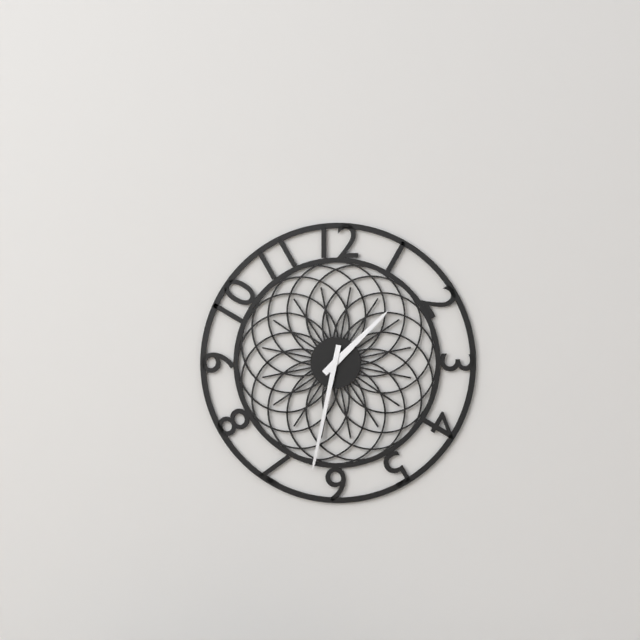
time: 1:32
